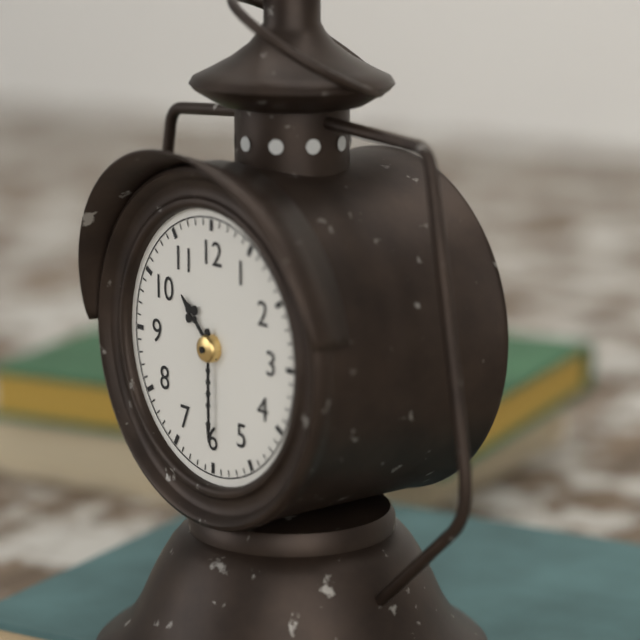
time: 10:30
